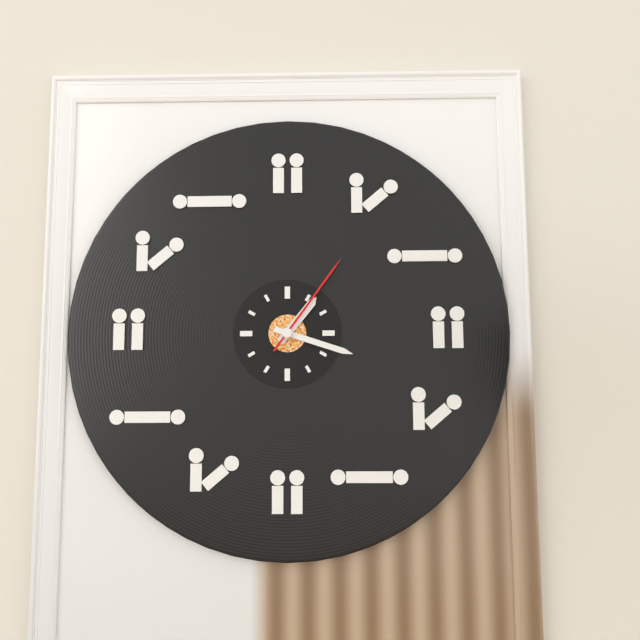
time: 1:18:06
